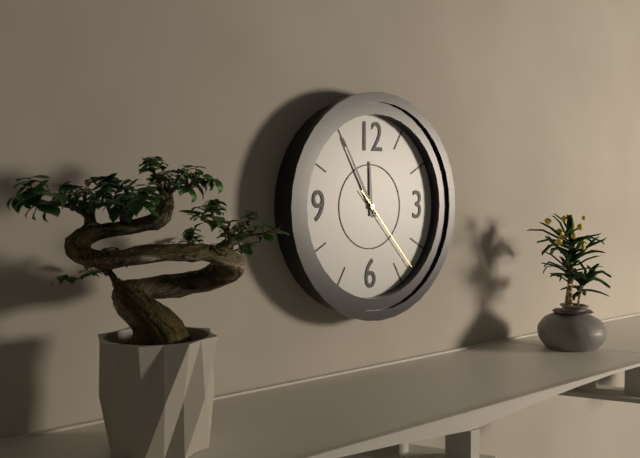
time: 11:55:23
